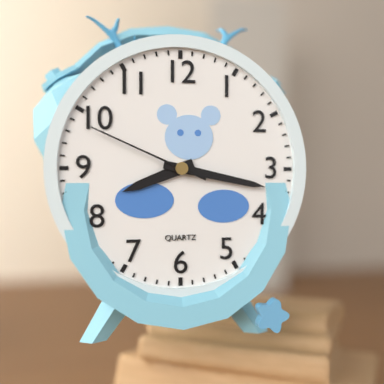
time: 8:17:49
